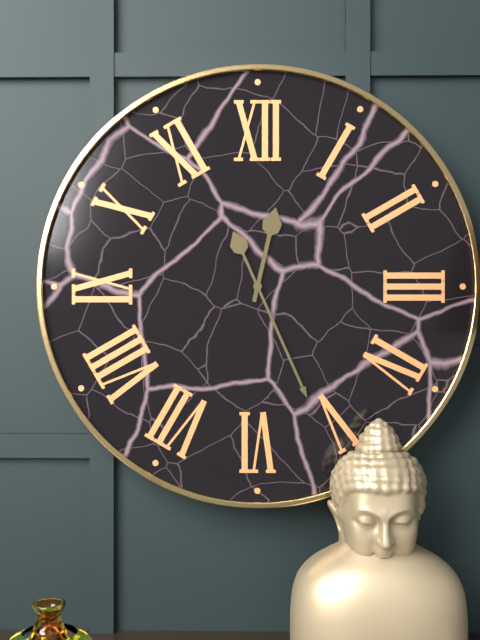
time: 12:26
